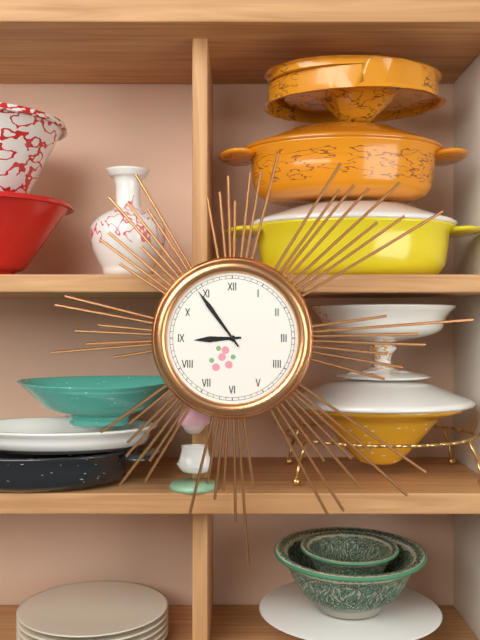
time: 8:54
